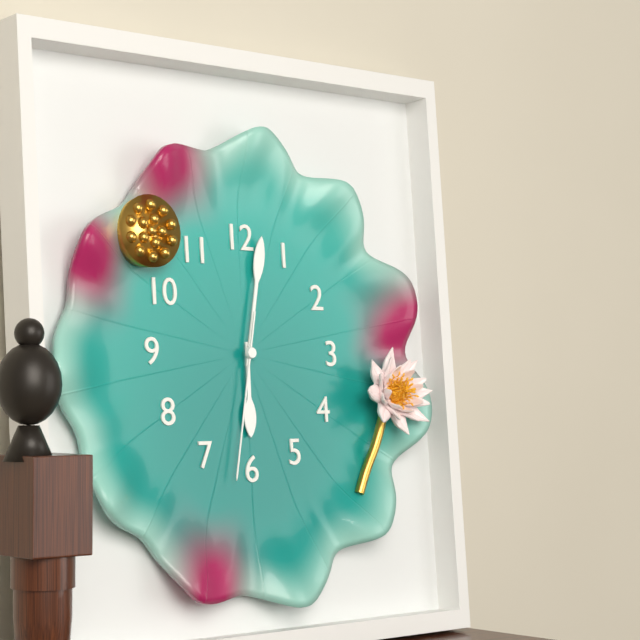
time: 6:02:32
